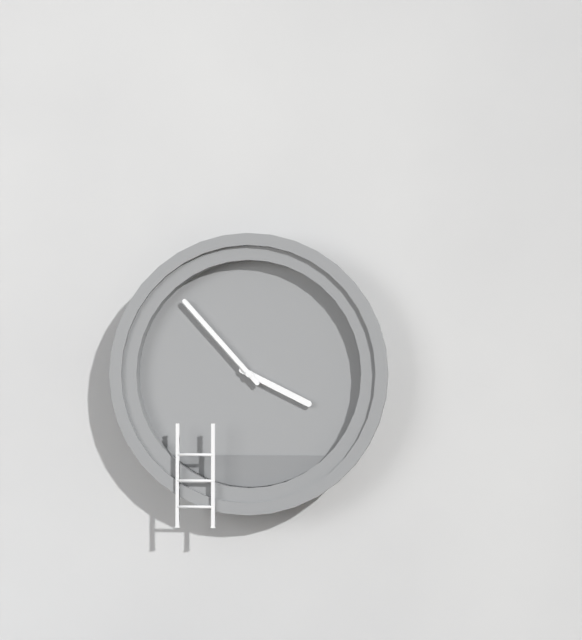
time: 3:53
